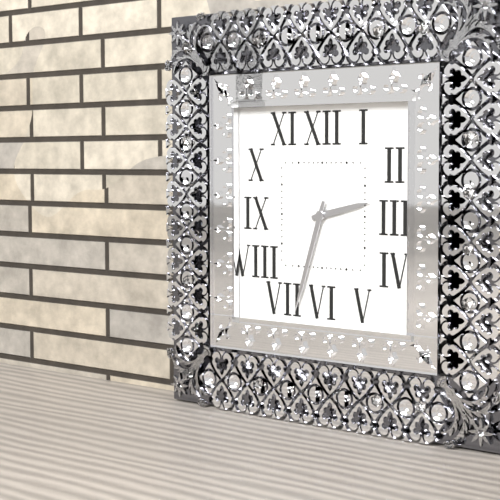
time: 2:33
